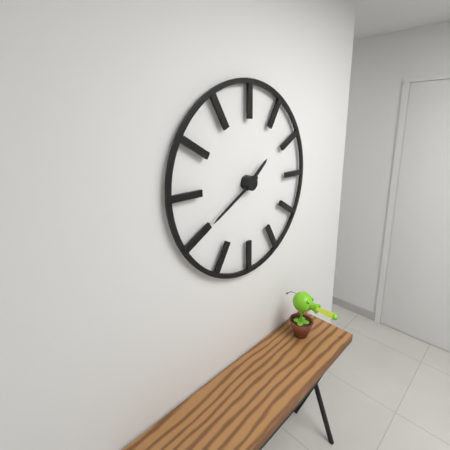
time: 1:40
